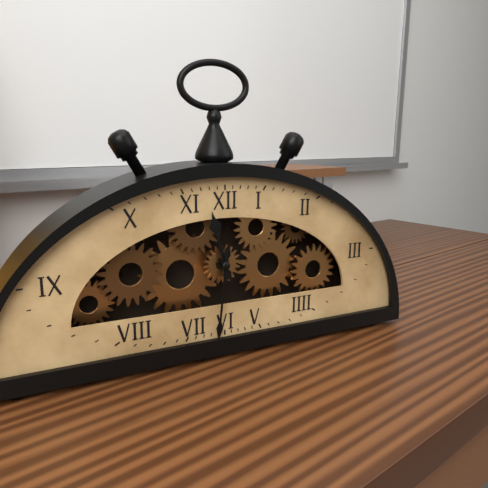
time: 11:31
